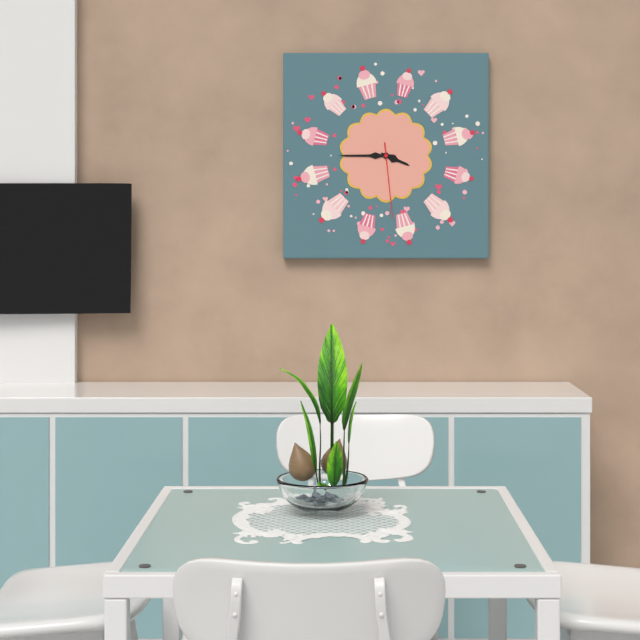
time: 3:45:29
